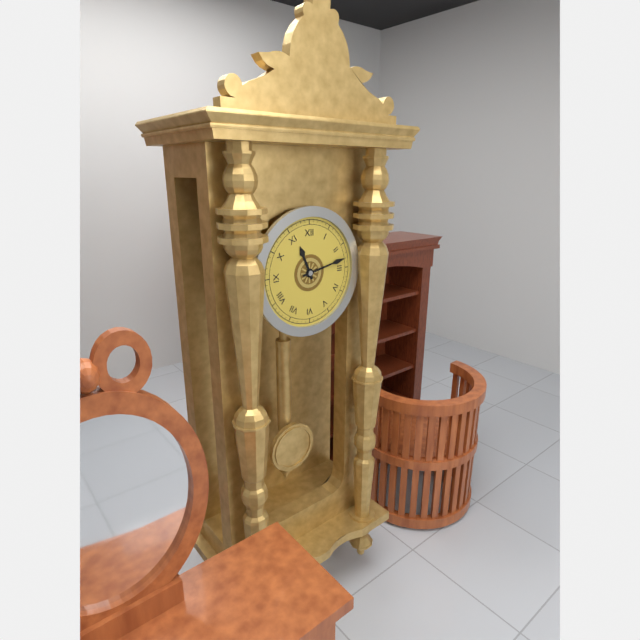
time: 11:13
